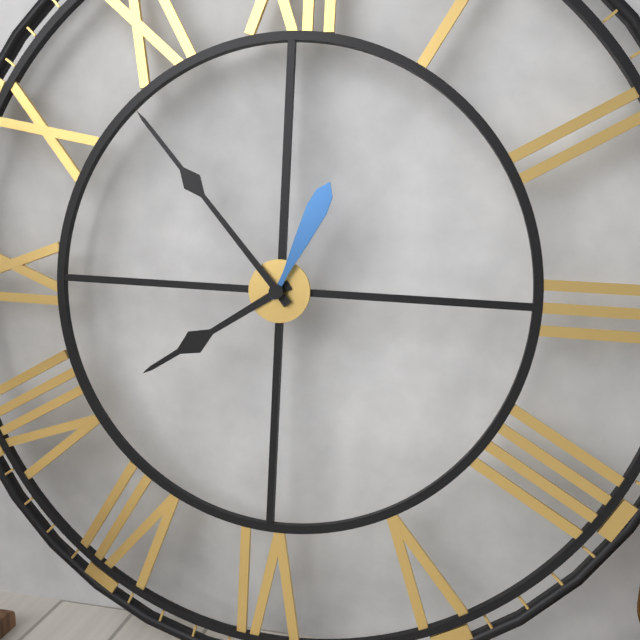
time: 7:53:04
